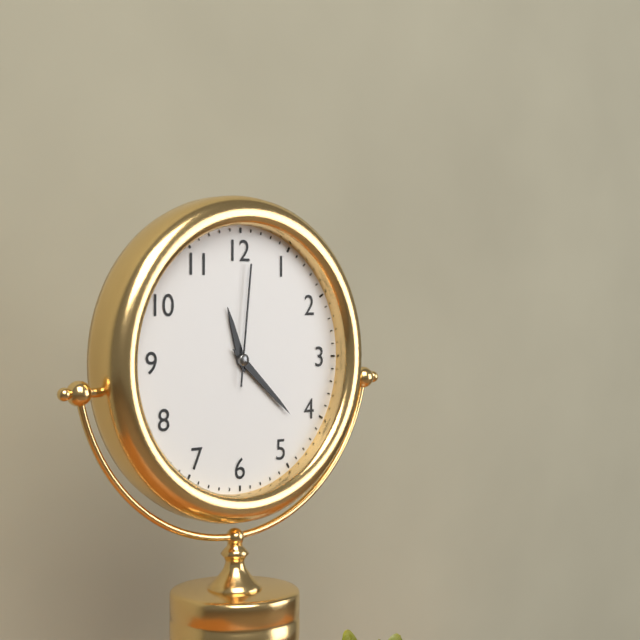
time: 11:22:01
